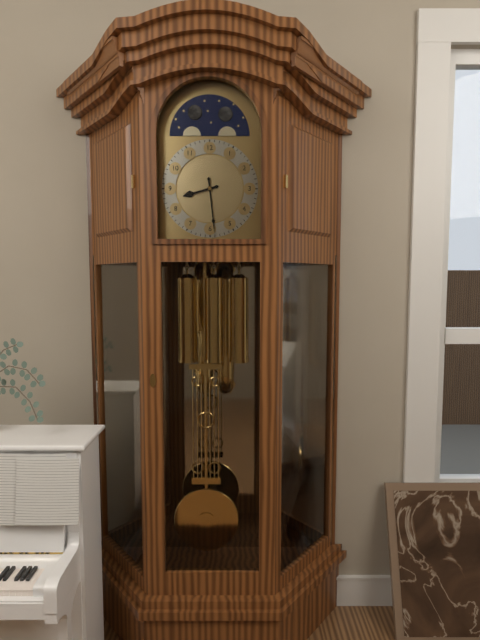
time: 8:29
